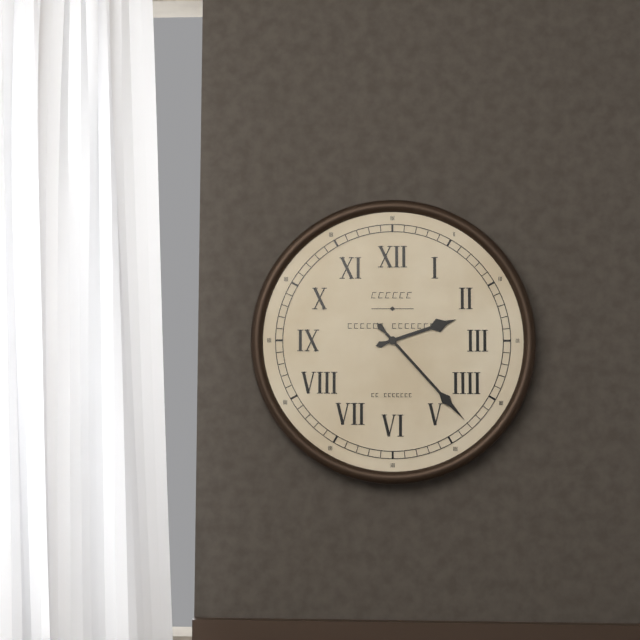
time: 2:23
